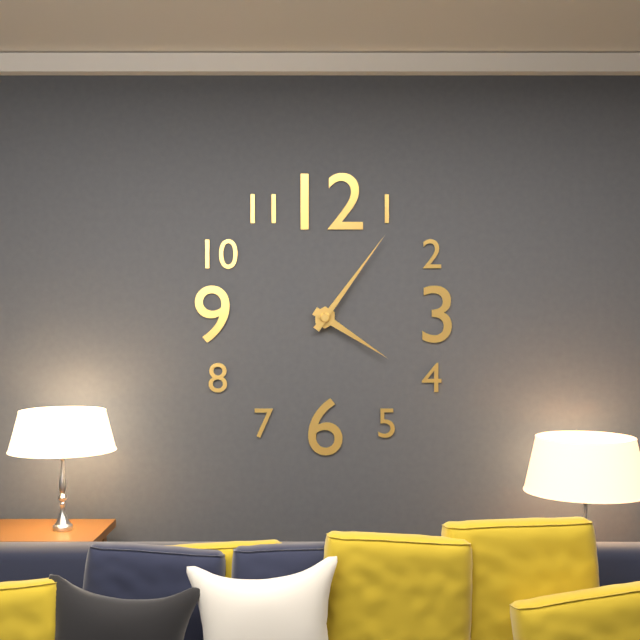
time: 4:06
